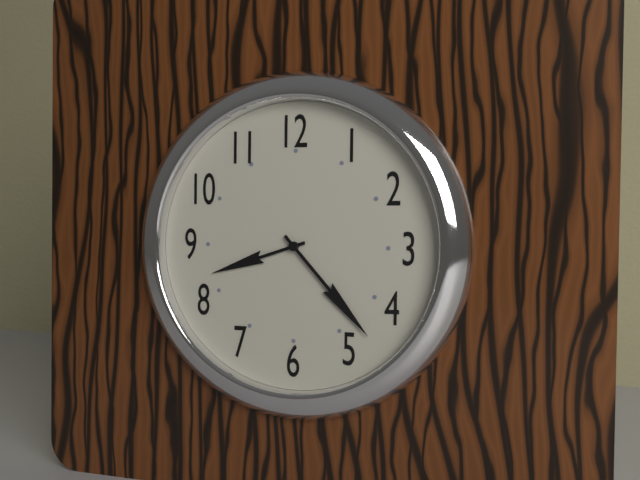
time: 8:23
